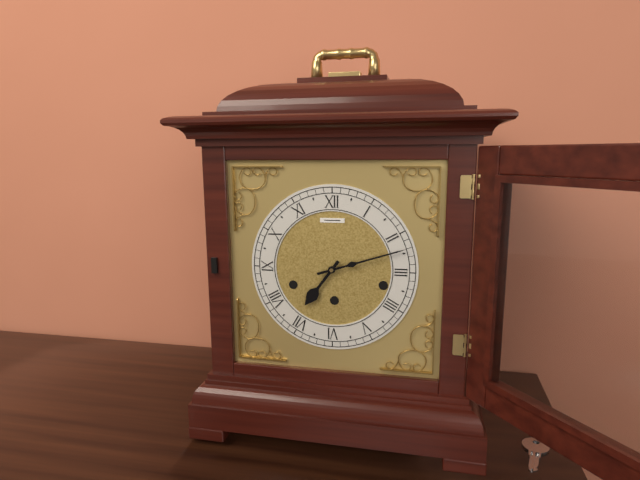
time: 7:12
